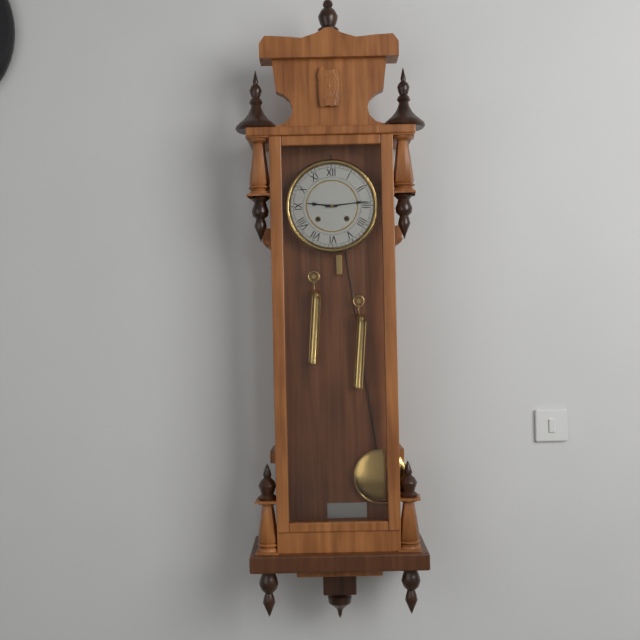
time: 9:14
